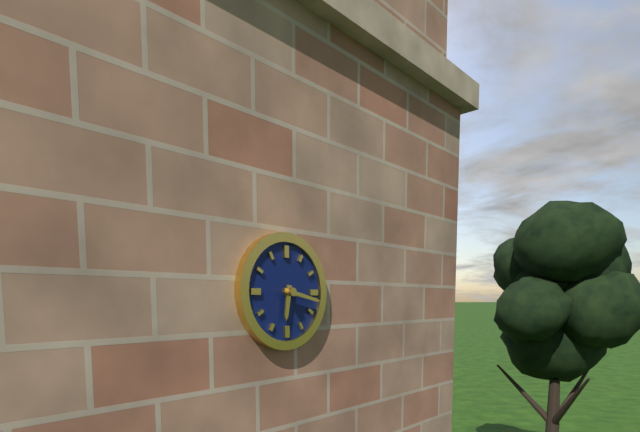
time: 6:17
